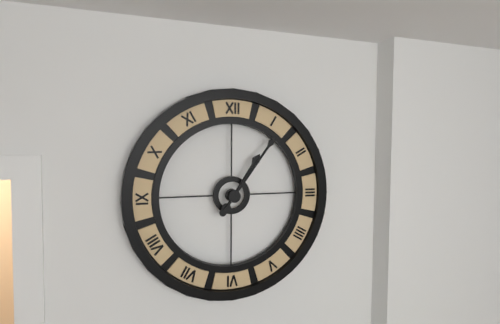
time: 1:06
